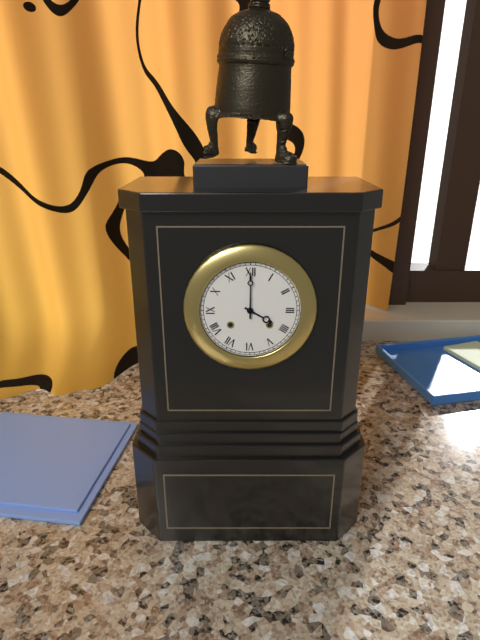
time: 4:00
